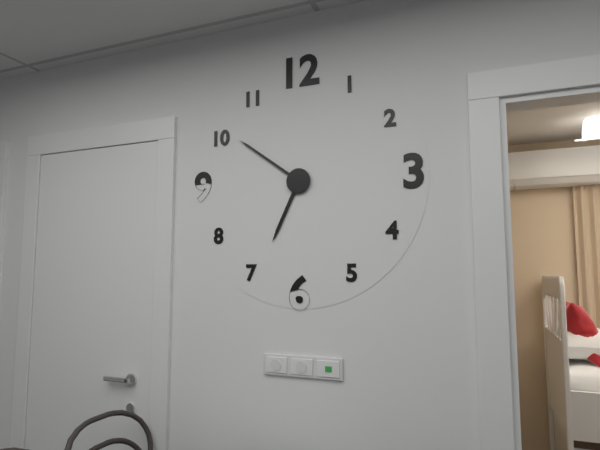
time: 6:51
